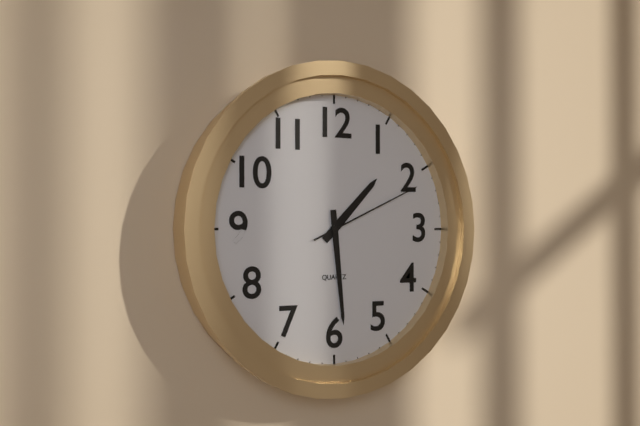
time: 1:29:11
